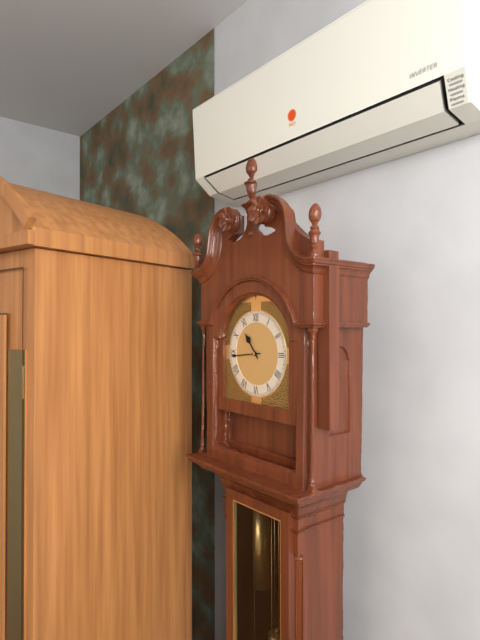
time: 10:44
